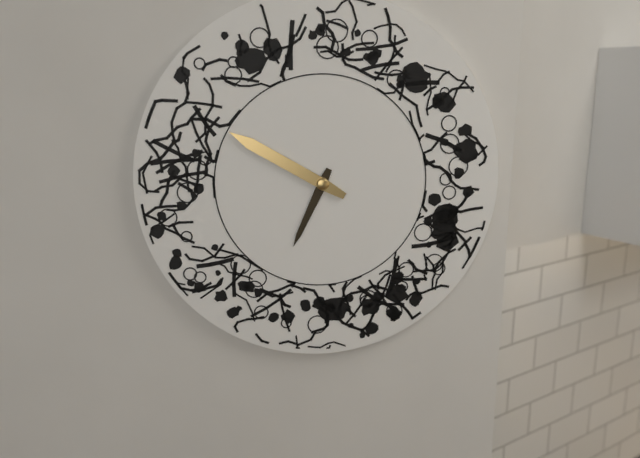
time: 6:50
